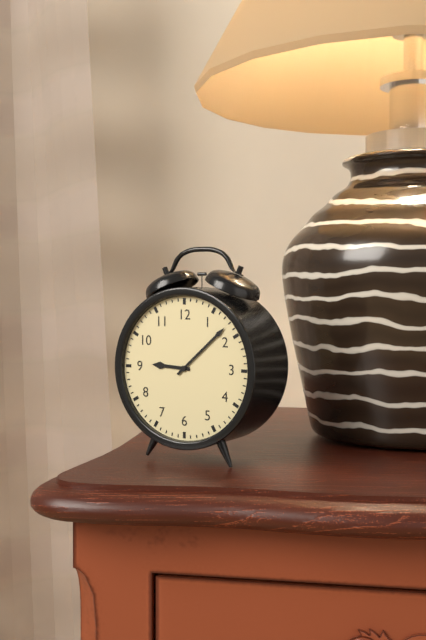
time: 9:08
